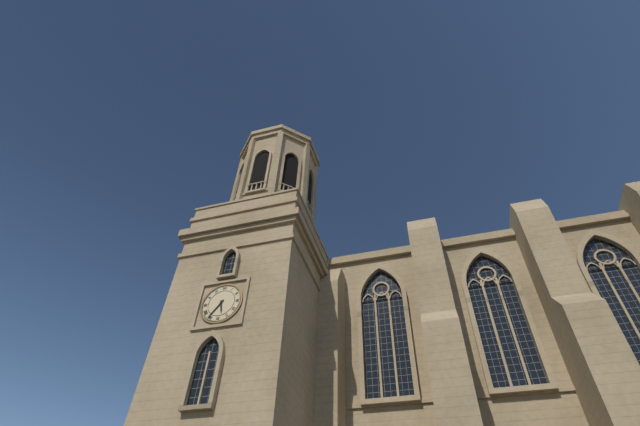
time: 5:36
